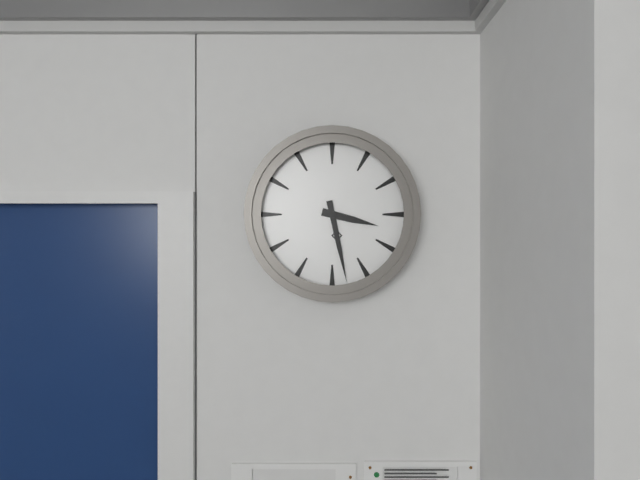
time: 3:28
